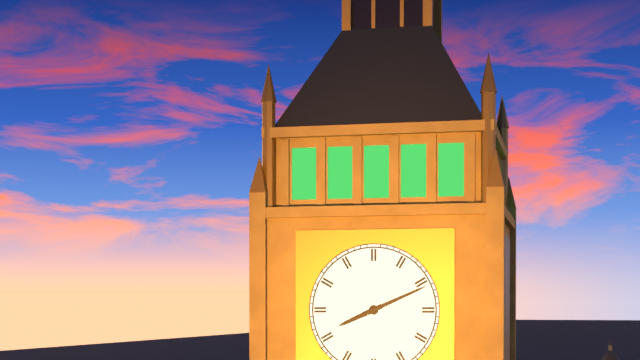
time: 8:11
